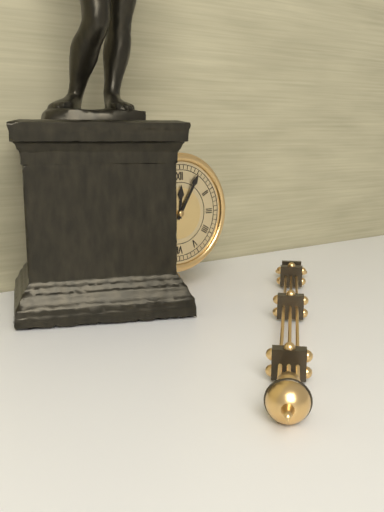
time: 12:05
